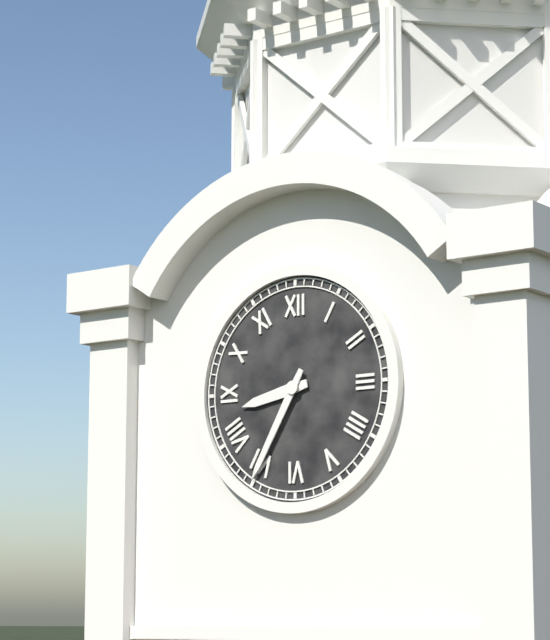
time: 8:35
